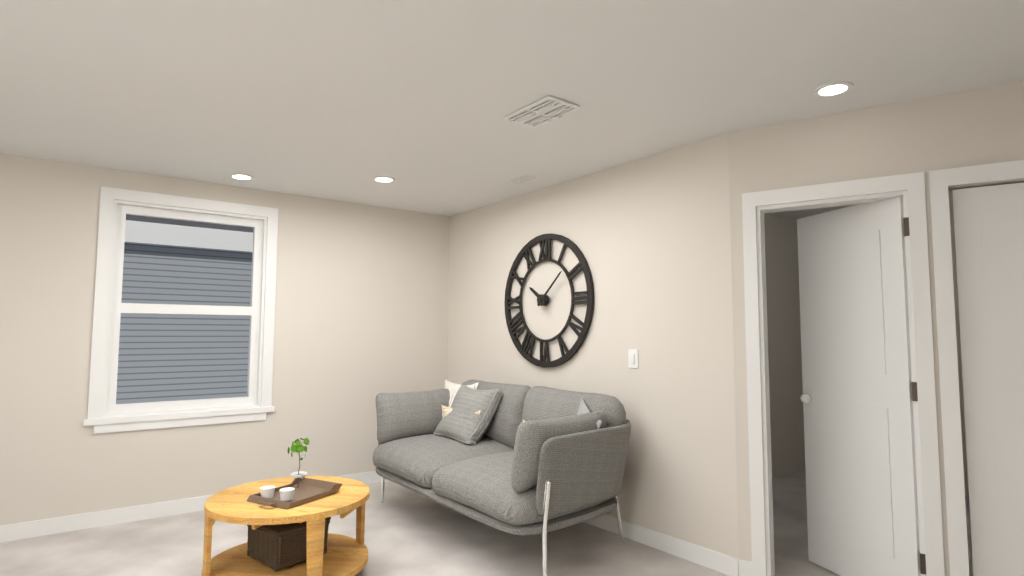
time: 10:08
